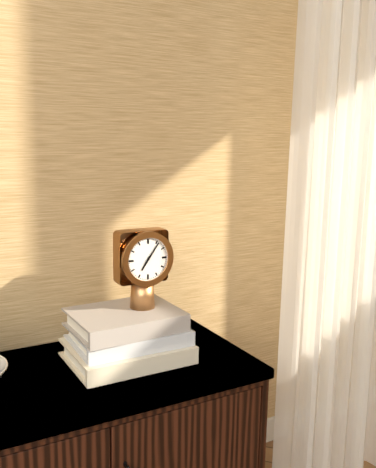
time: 7:06
